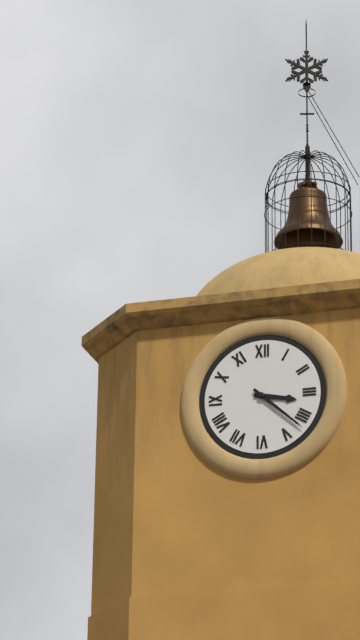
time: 3:22
